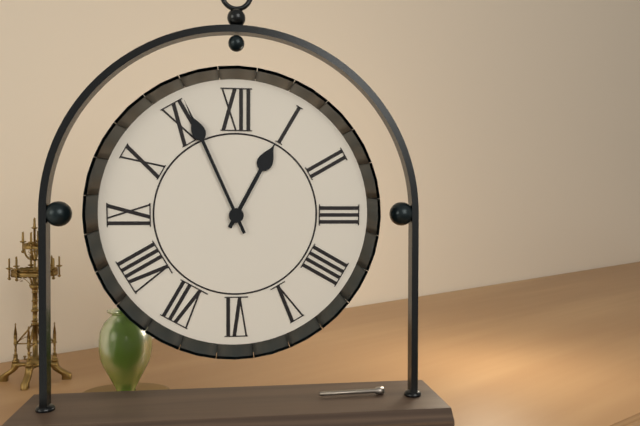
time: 12:56
